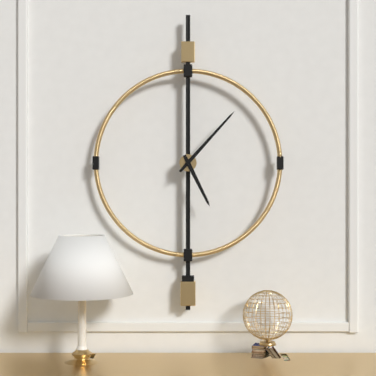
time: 5:07
